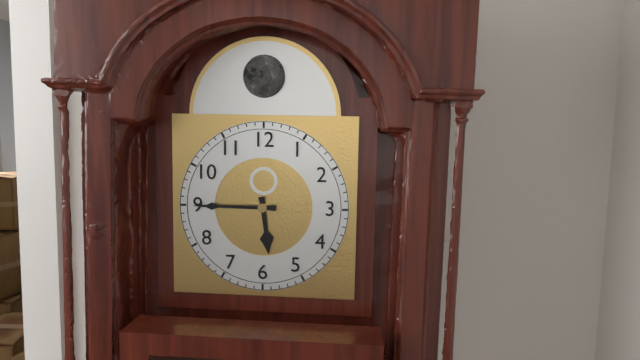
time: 5:45
